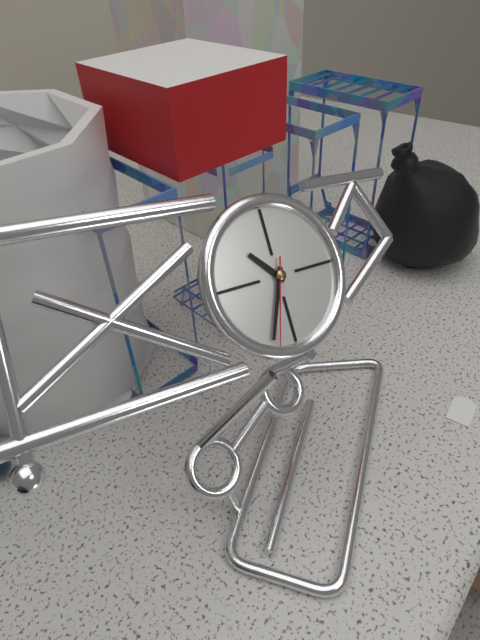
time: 10:34:33
